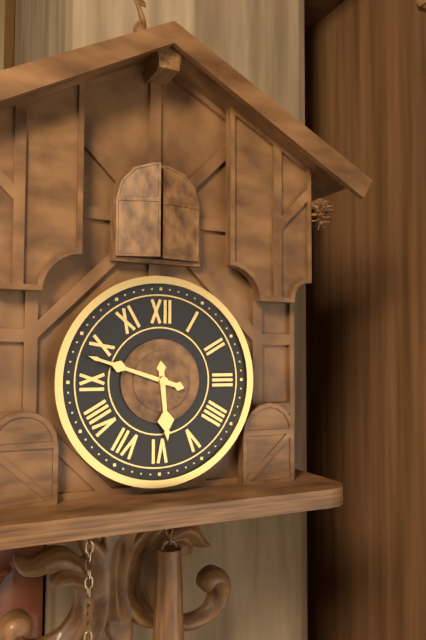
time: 5:48
